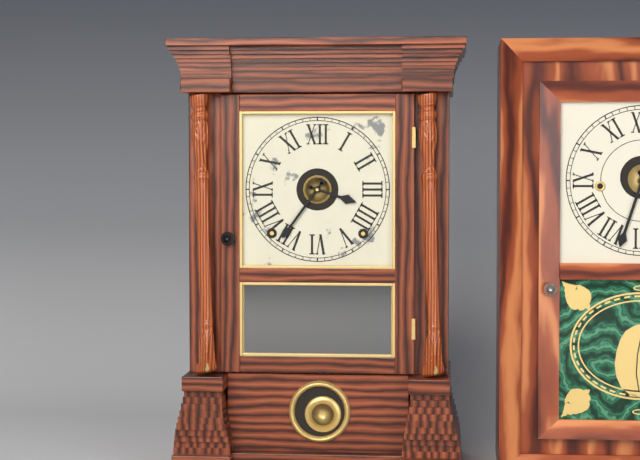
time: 3:36
